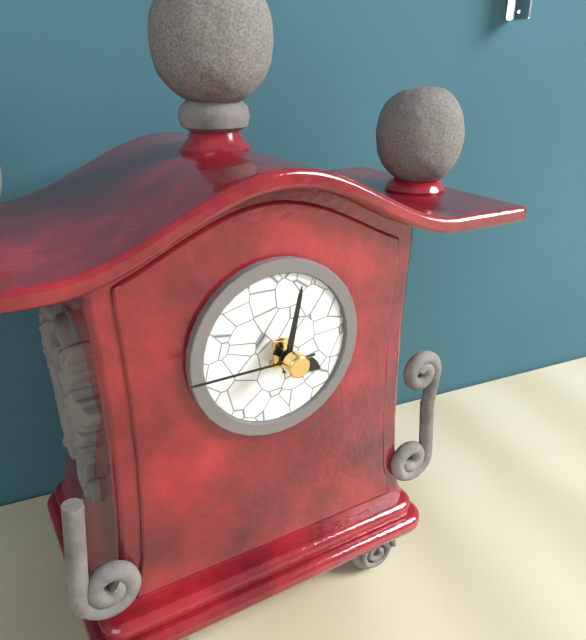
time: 4:02:45
